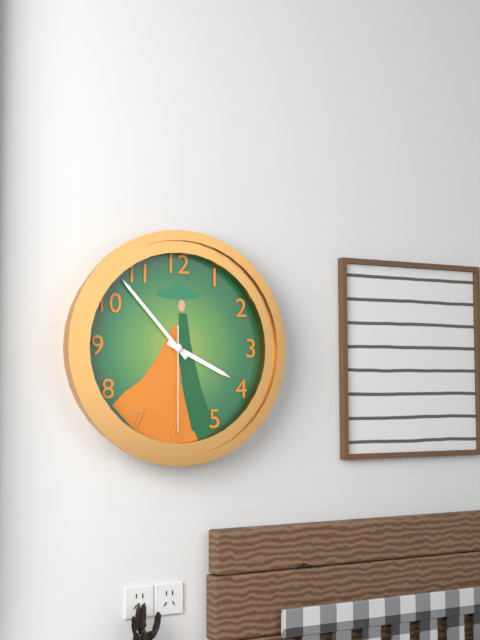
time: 3:53:30
